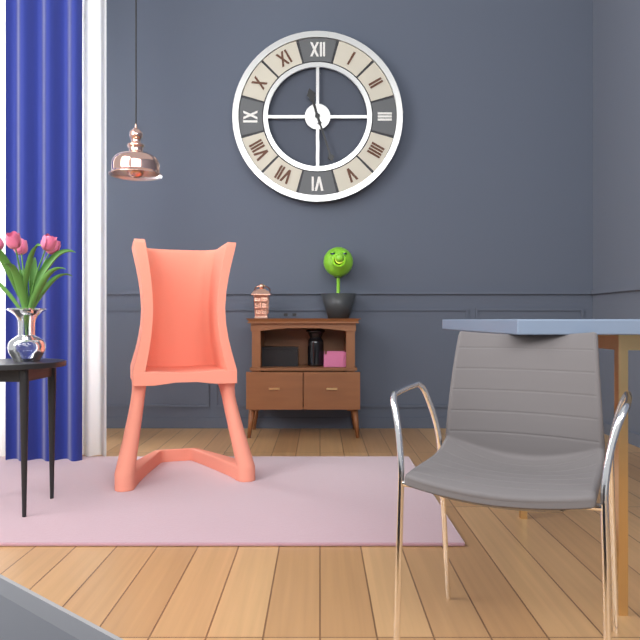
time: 11:27
